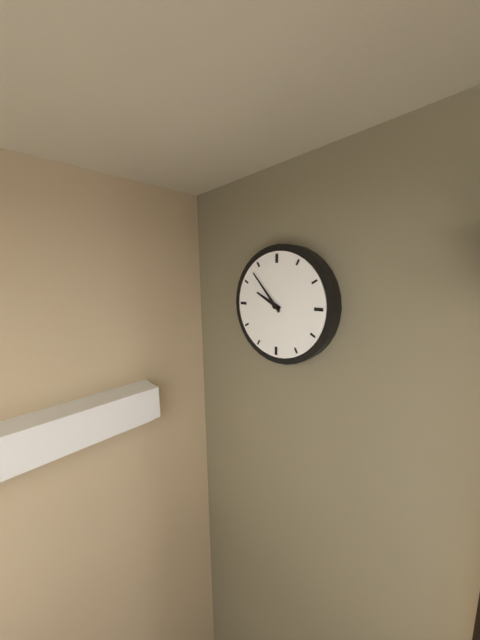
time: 9:53
